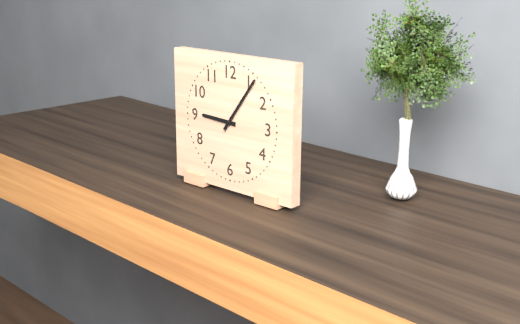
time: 9:06
